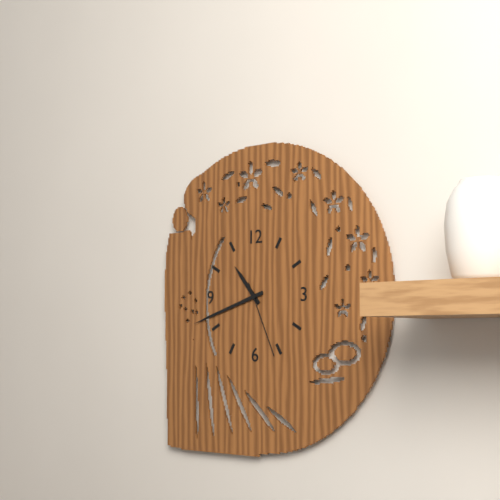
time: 10:42:26
